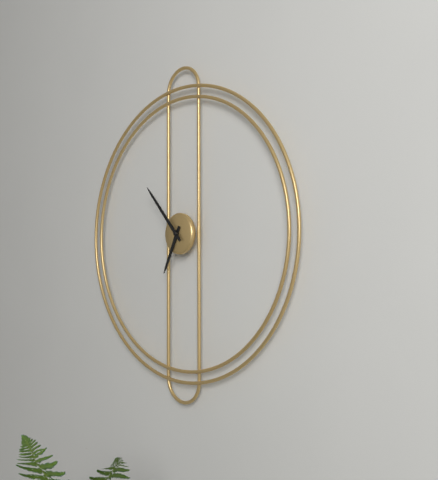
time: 6:53
